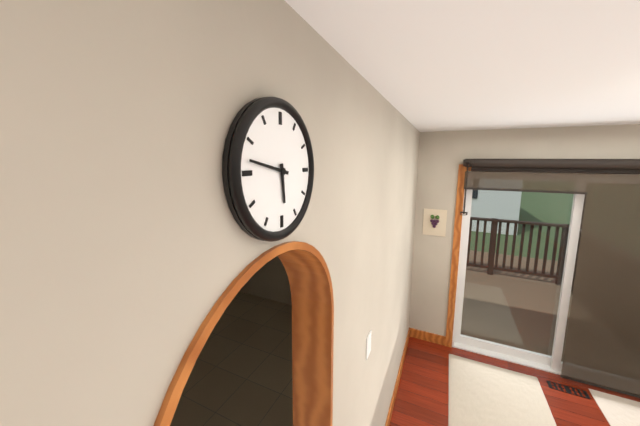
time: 5:47
